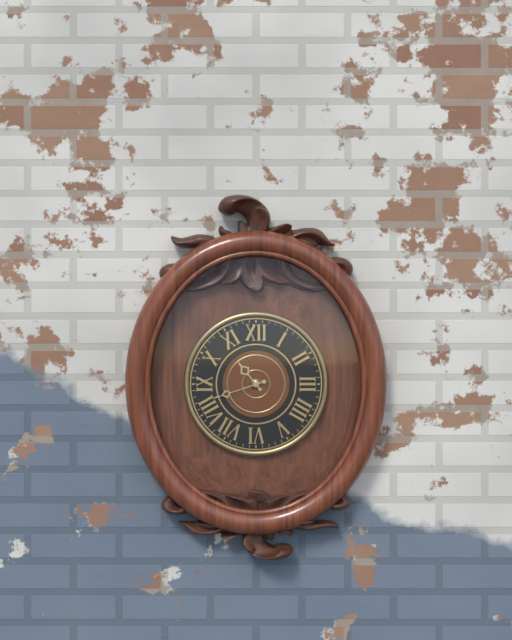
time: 10:42
